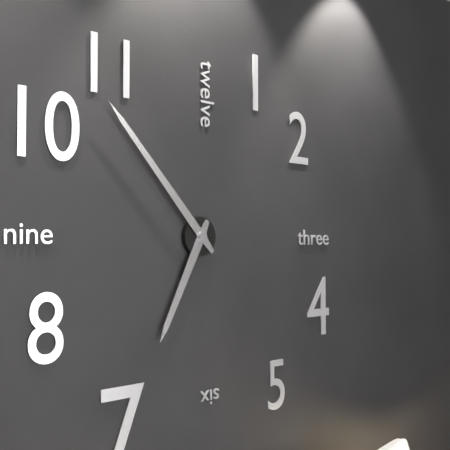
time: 6:53
